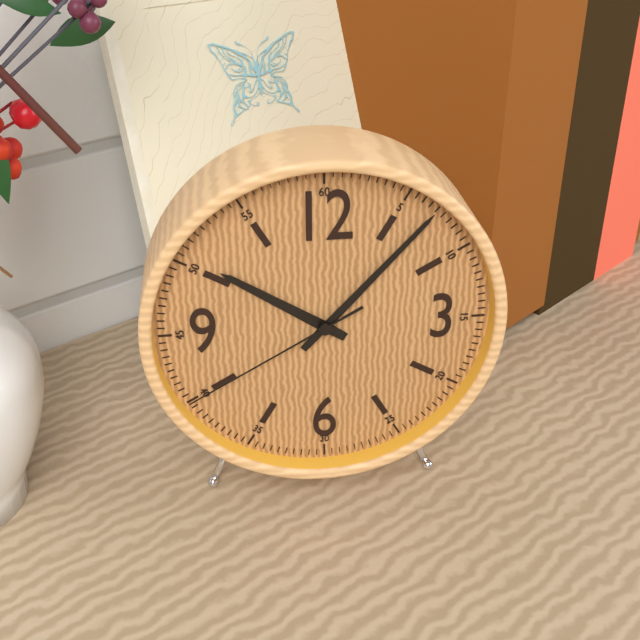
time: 10:07:40
